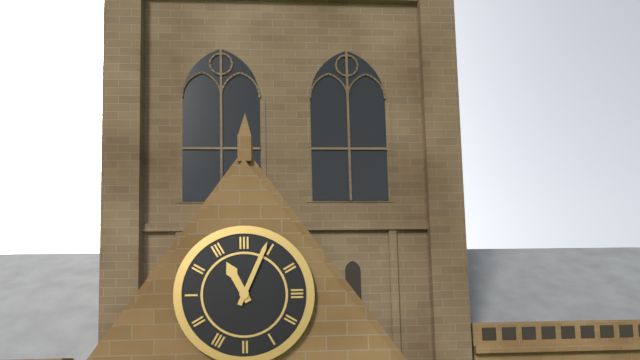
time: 11:04
